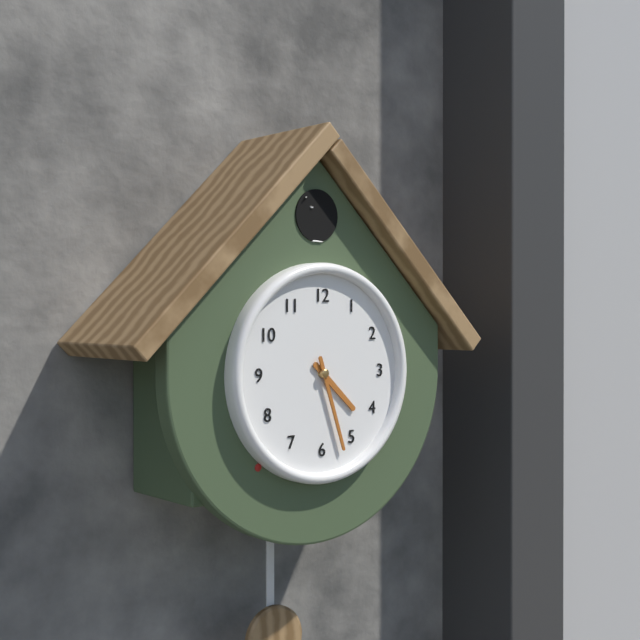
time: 4:27
